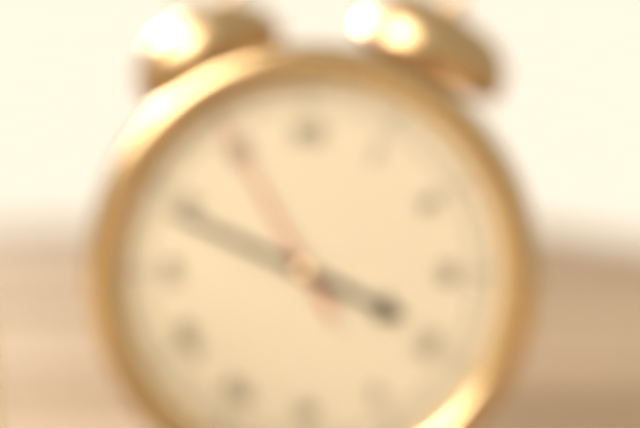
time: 3:49:55
